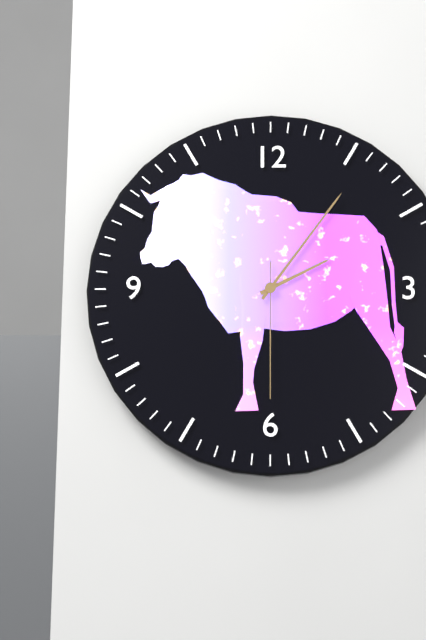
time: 2:06:30
